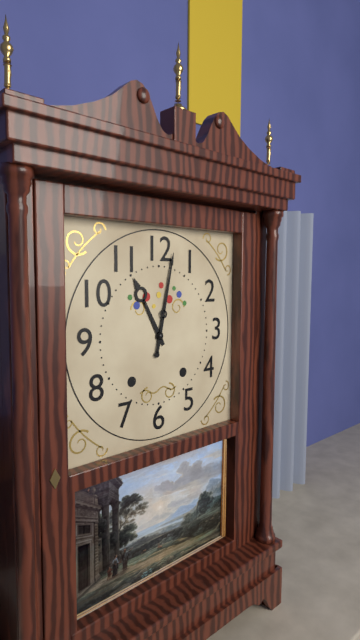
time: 11:02
